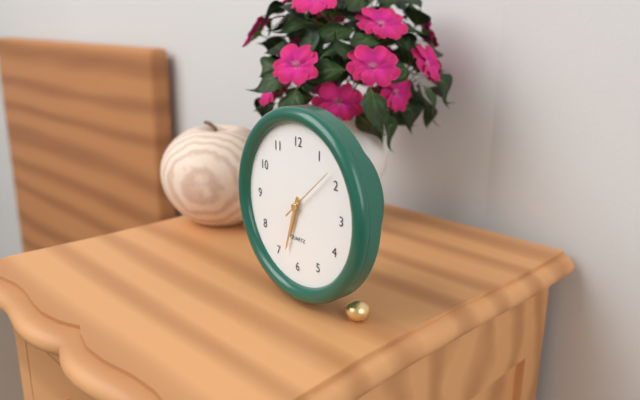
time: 6:33:08
